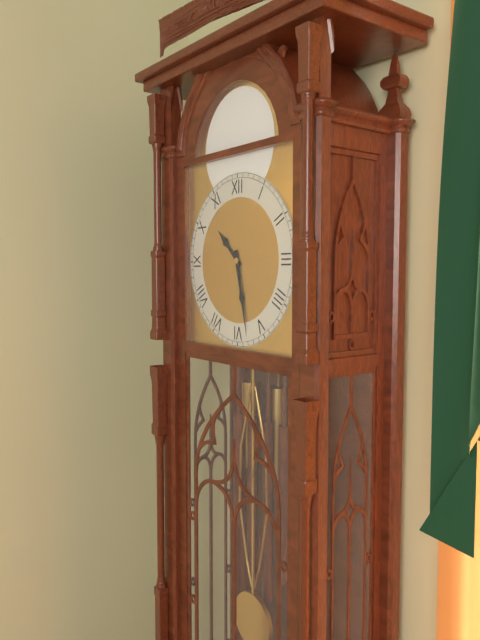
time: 10:28
